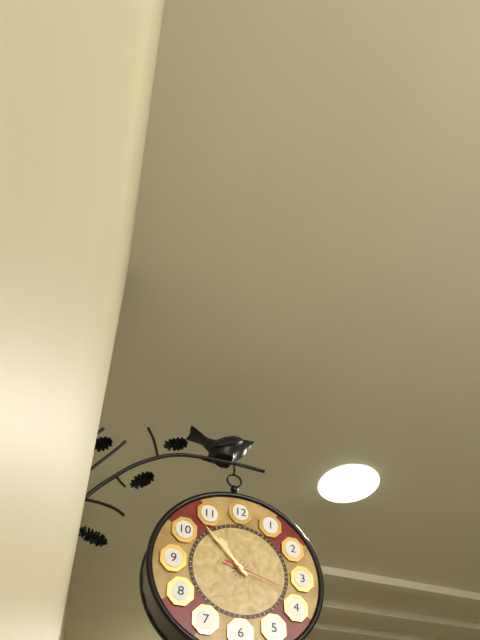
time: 10:53:18
